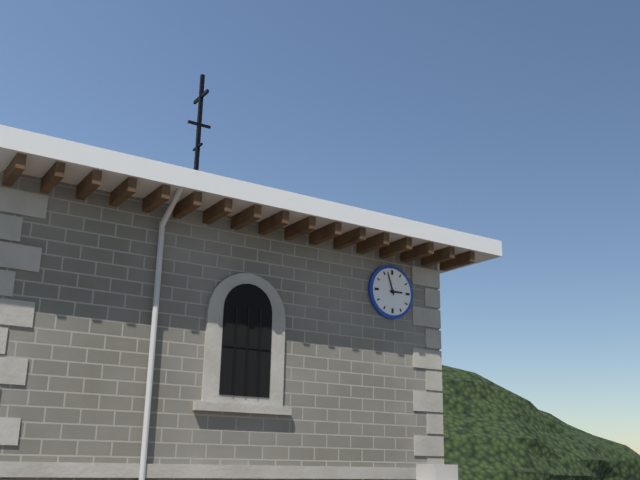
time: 2:57
